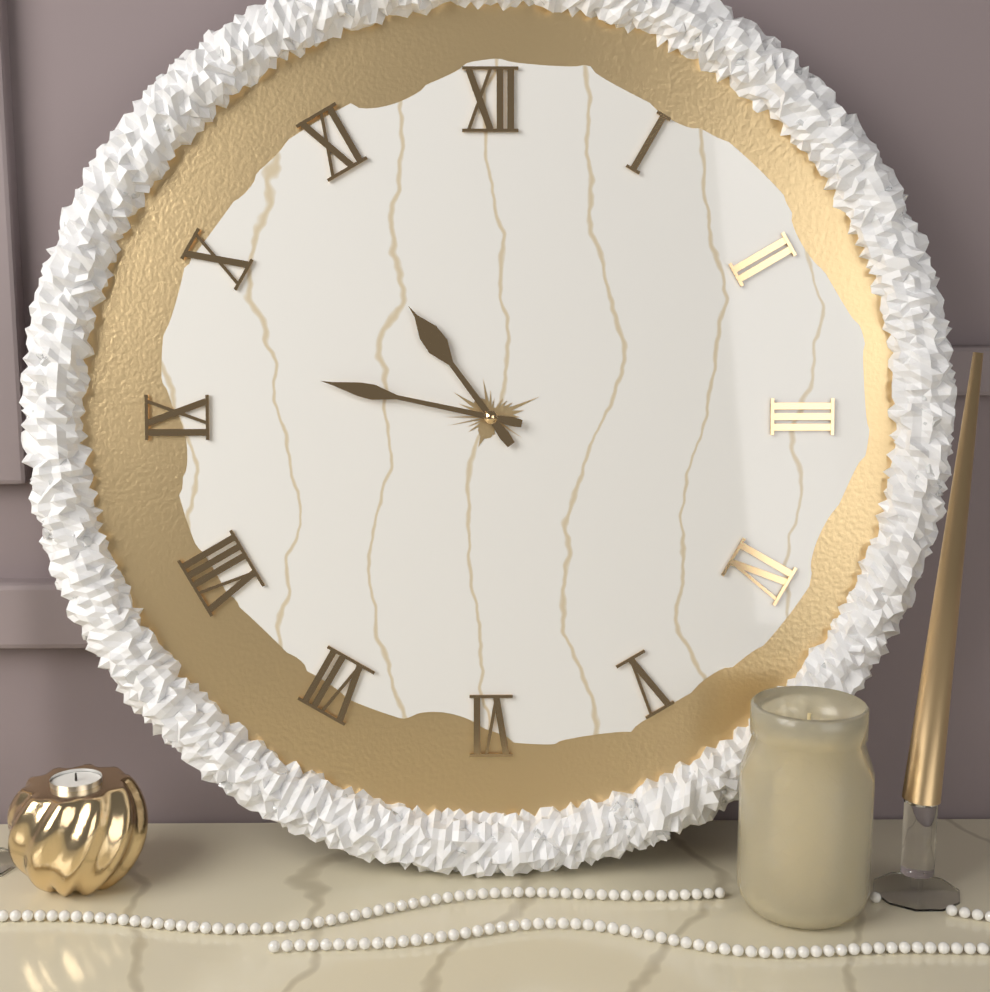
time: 10:47
